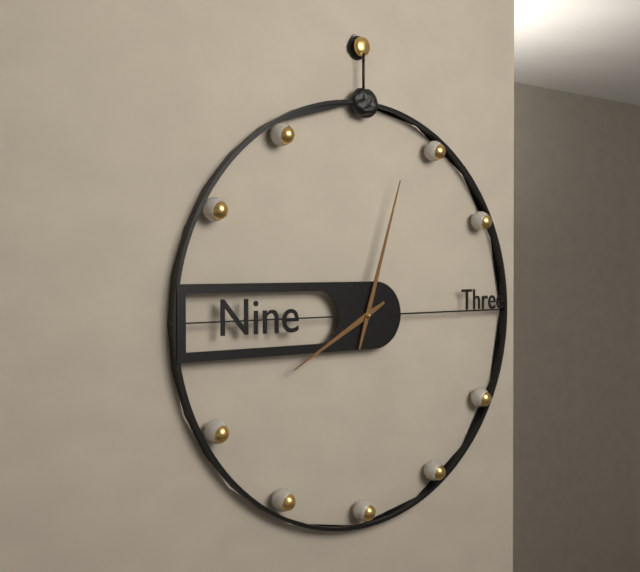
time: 8:03
